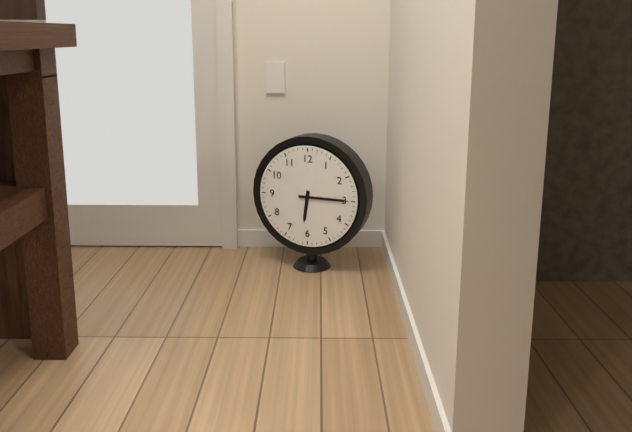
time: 6:15
